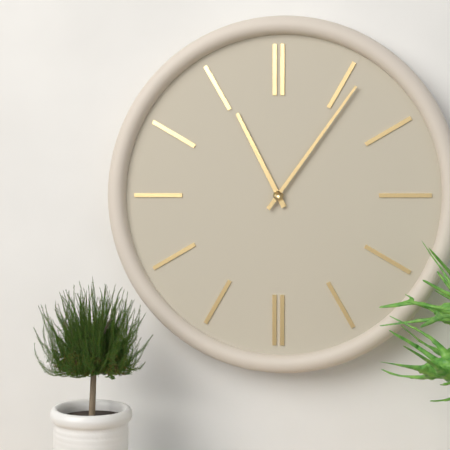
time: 11:06
